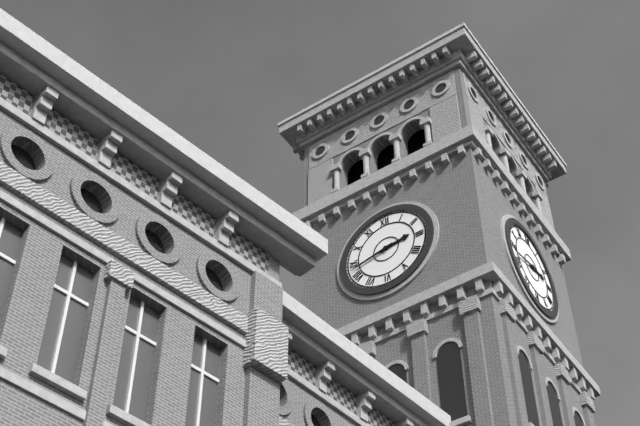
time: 2:43
